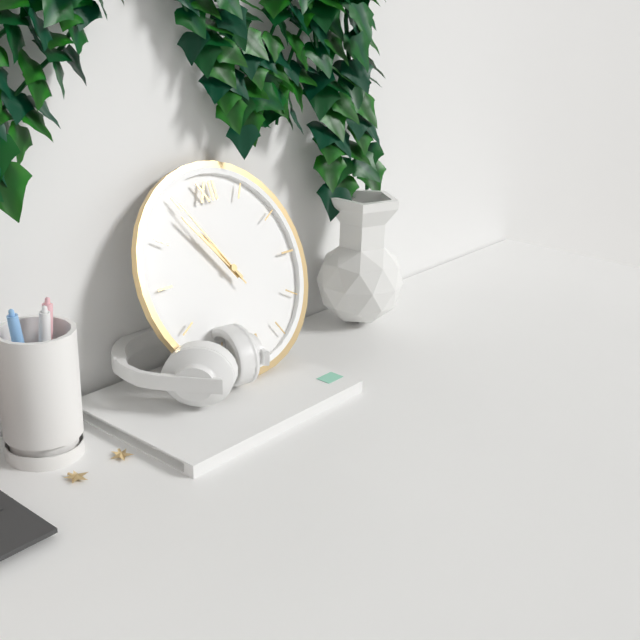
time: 10:54:55
